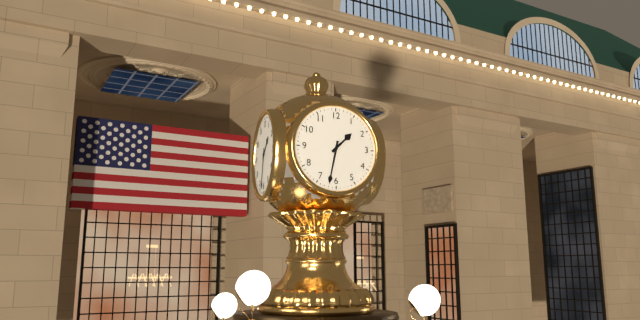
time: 1:32
